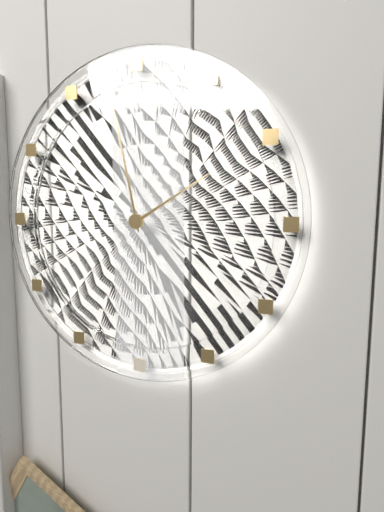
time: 1:58
